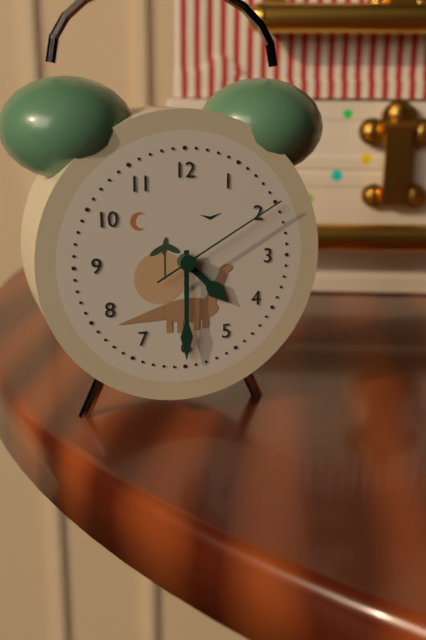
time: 4:30:10
